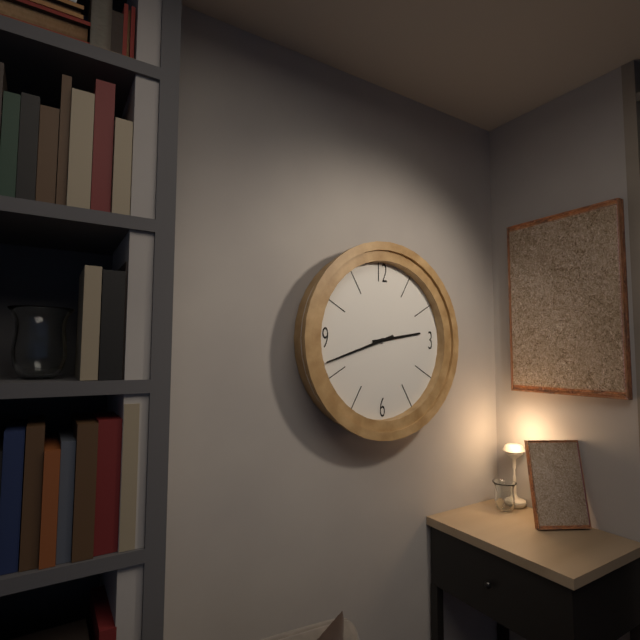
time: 2:42
